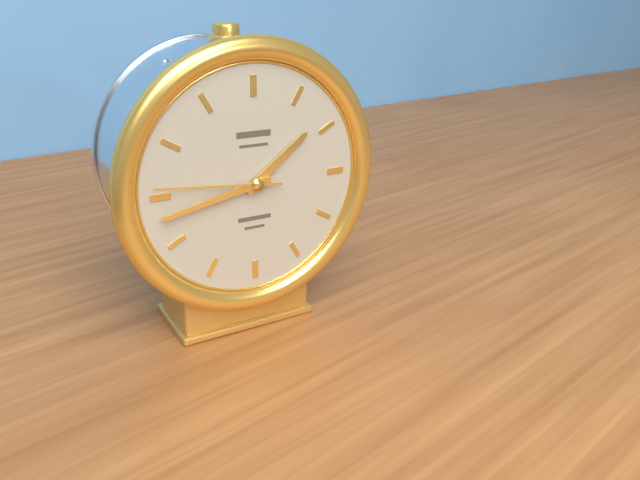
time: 1:43:46
